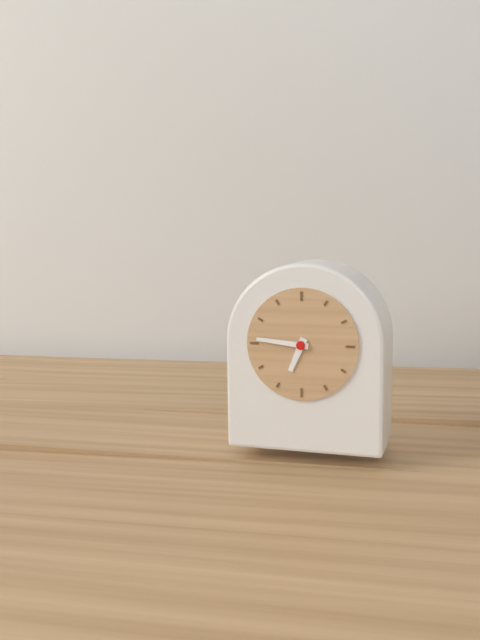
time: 6:46
